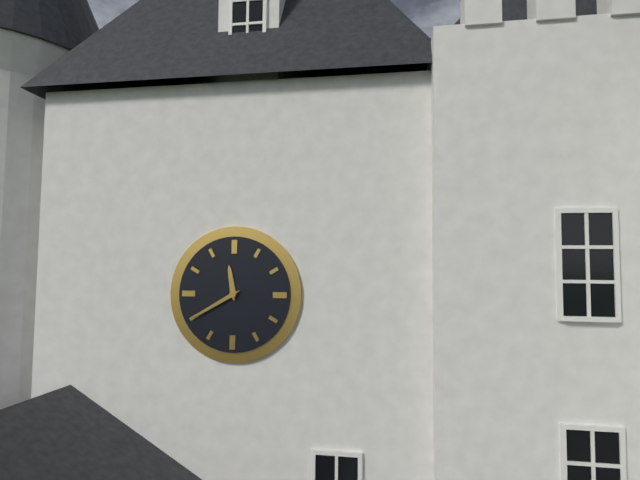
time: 11:40
